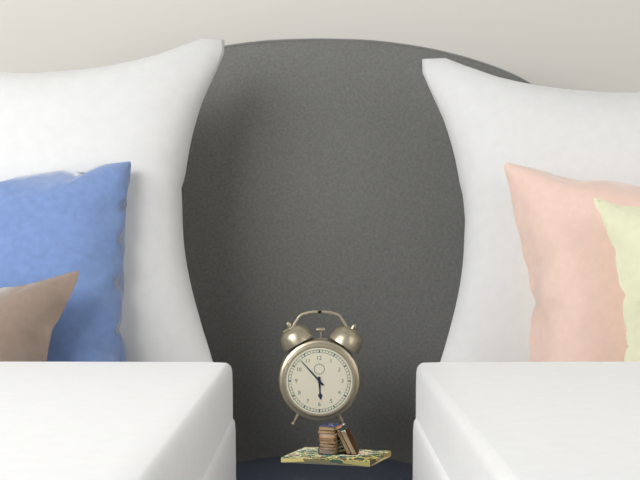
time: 5:53
